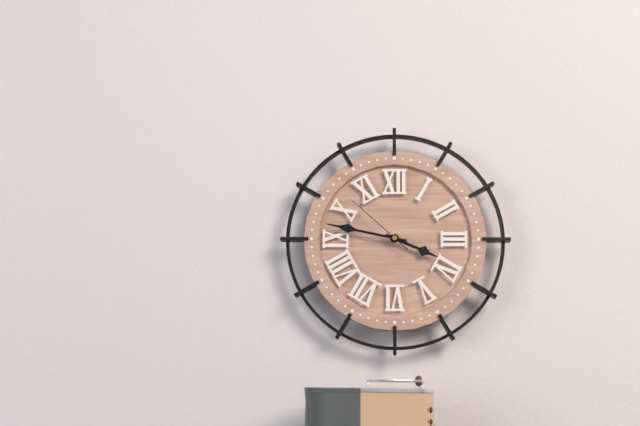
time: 3:47:52
